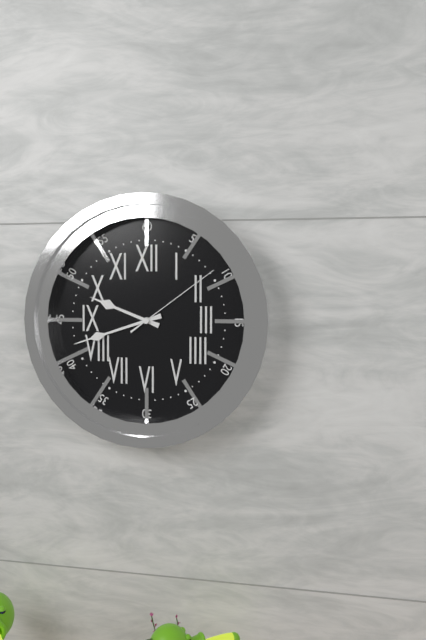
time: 9:42:09
